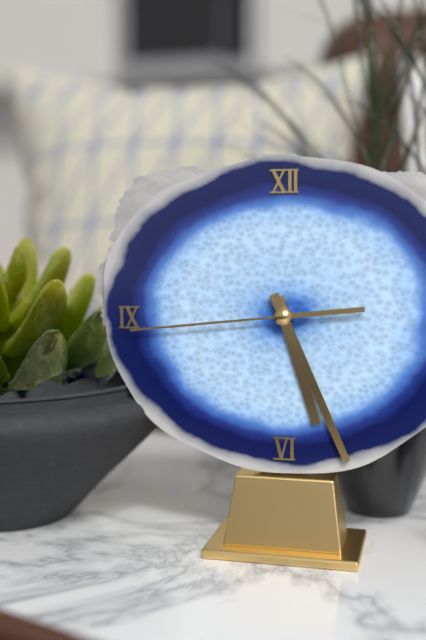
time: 5:26:44
